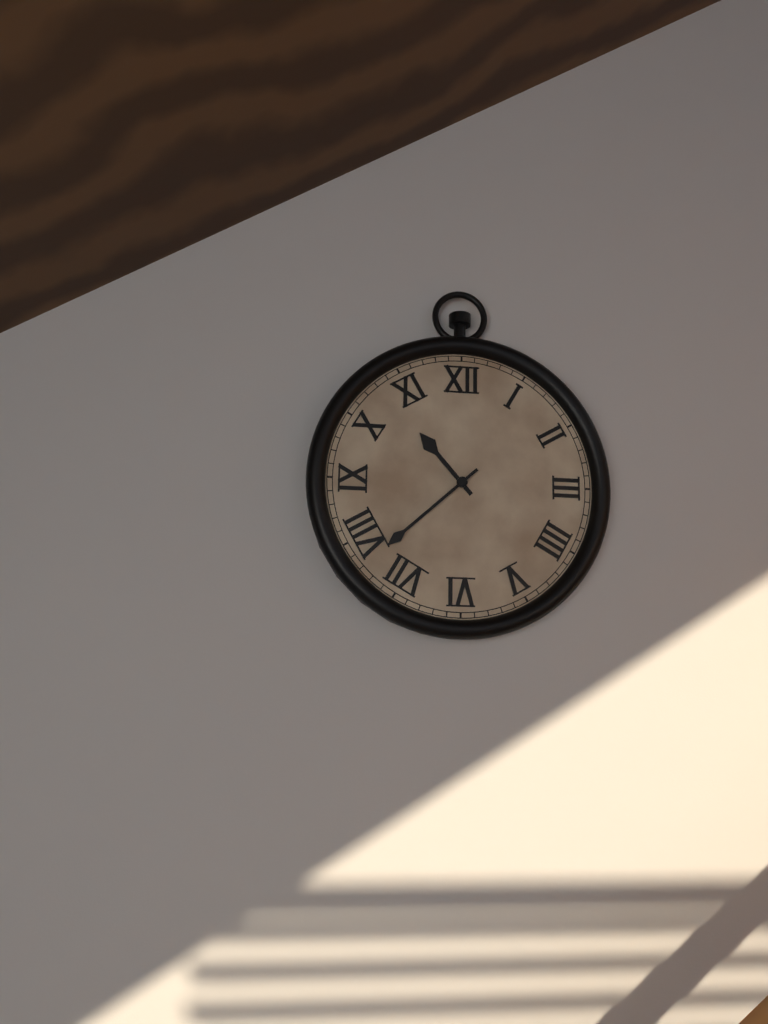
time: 10:38
